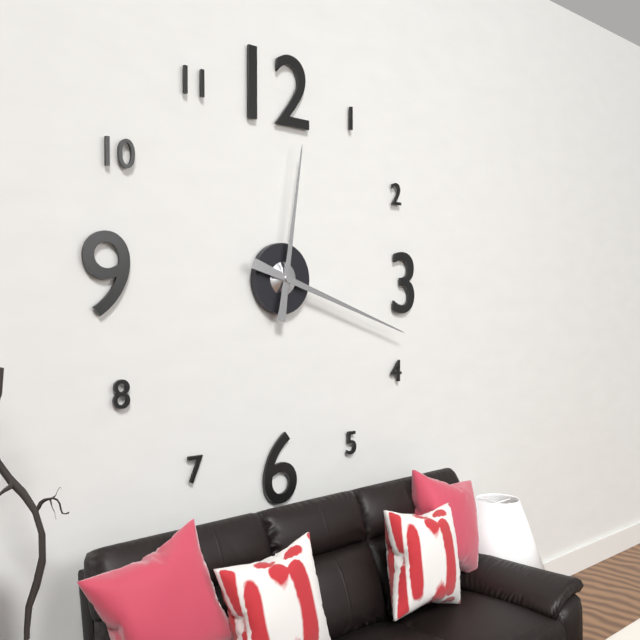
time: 12:18
